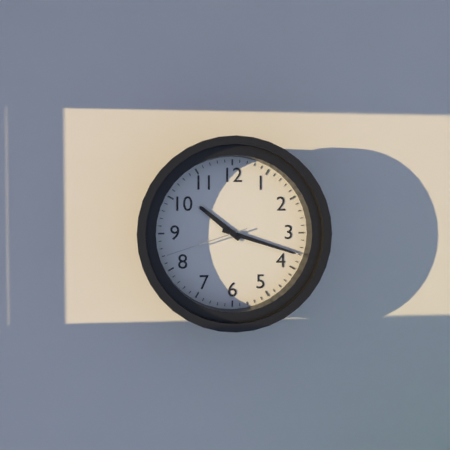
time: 10:18:42
